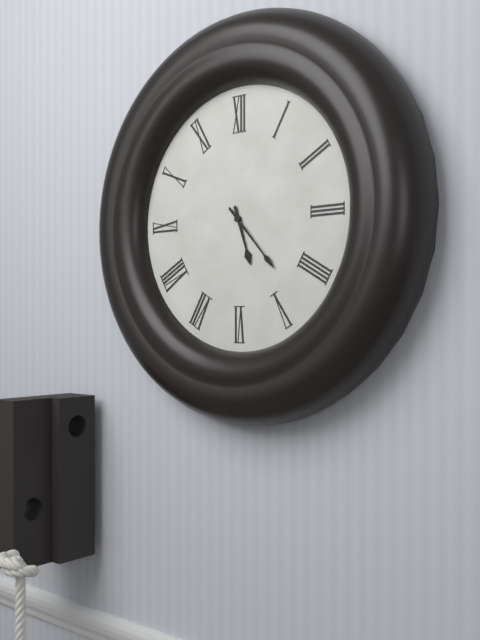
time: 5:23
